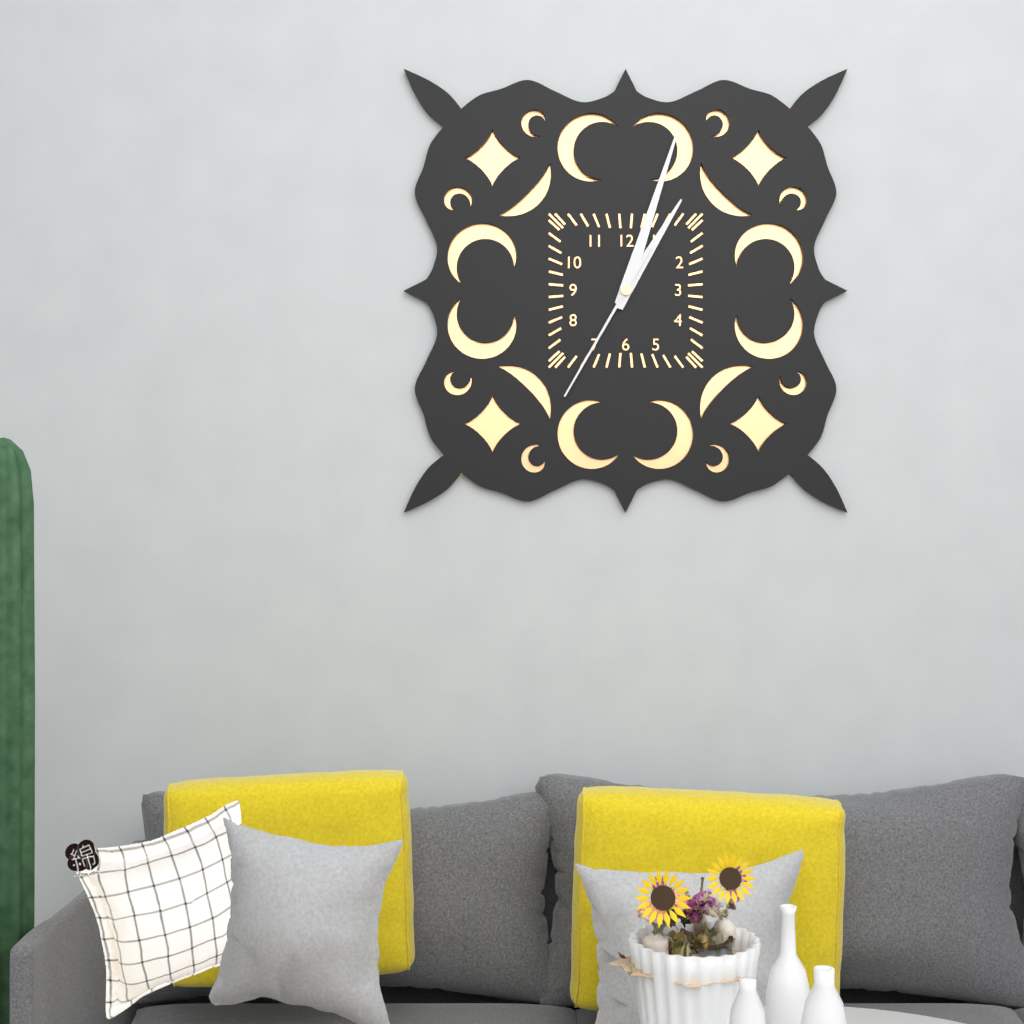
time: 1:03:35
